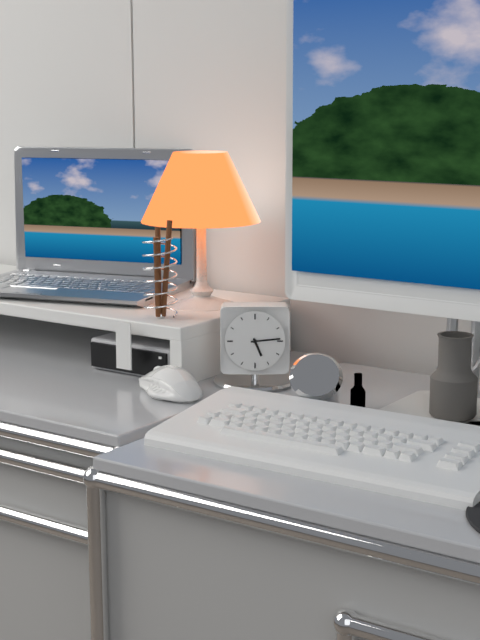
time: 5:14
